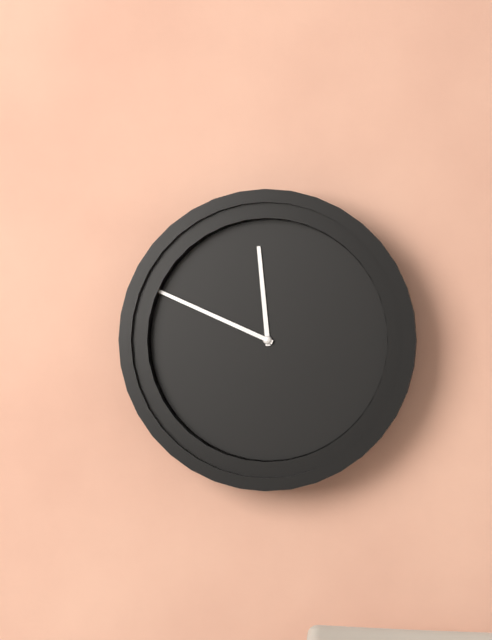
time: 11:49
